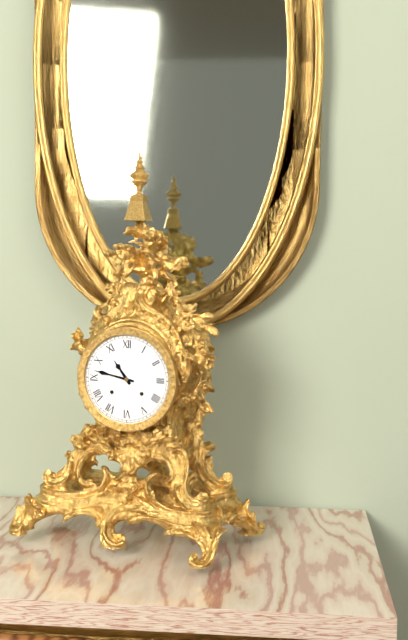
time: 10:47
